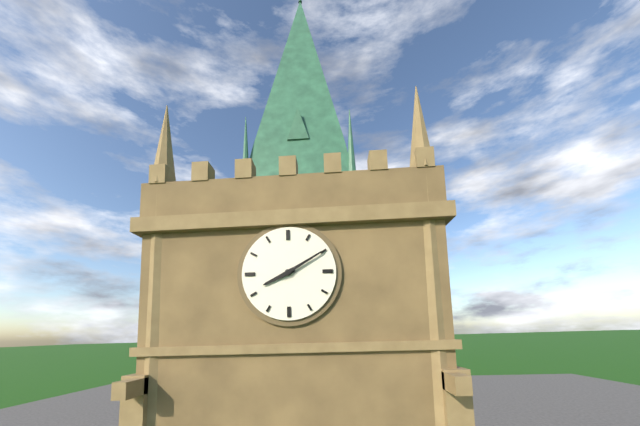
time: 8:10
